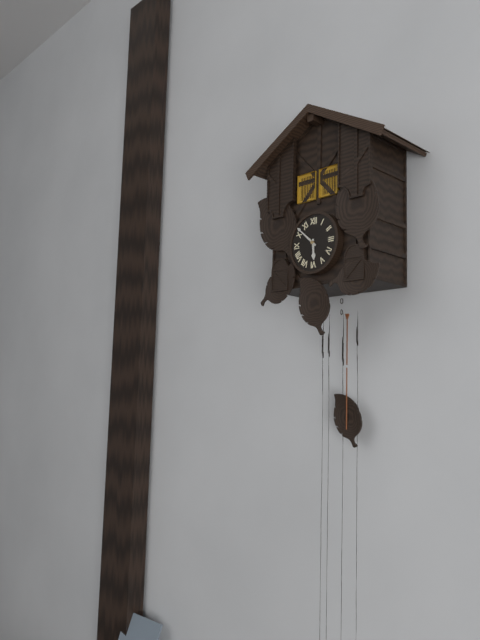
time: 5:52
